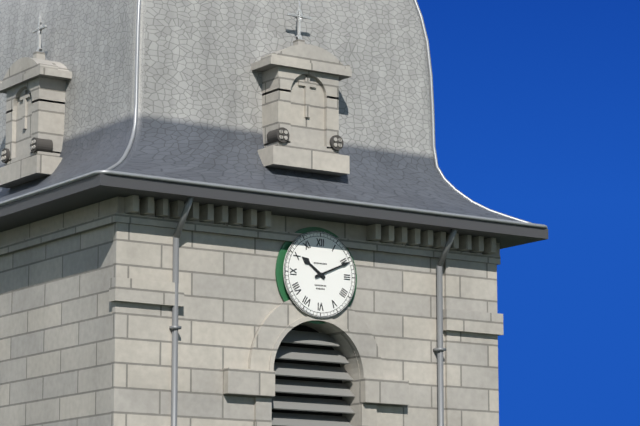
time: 10:11
